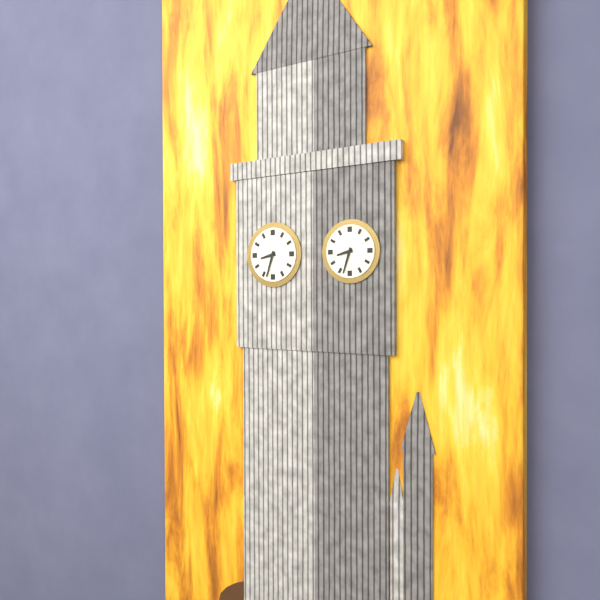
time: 8:33
